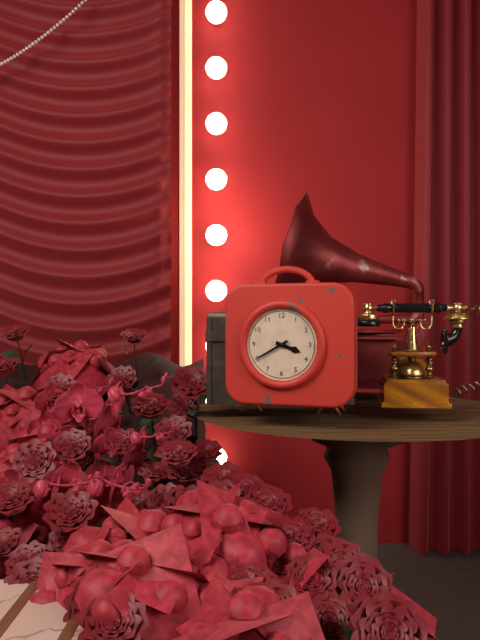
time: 3:40
